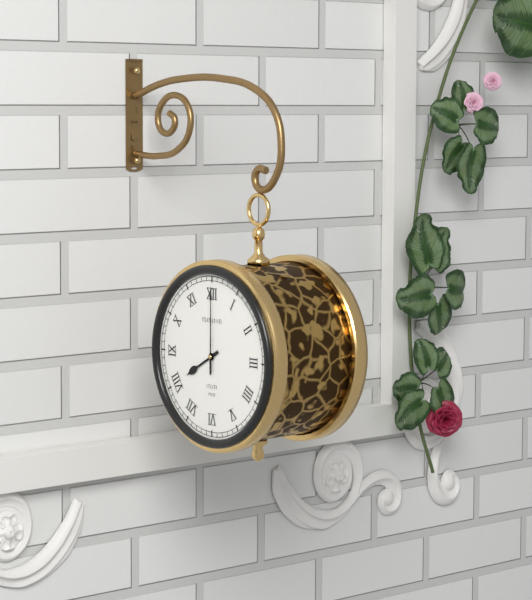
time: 8:00
